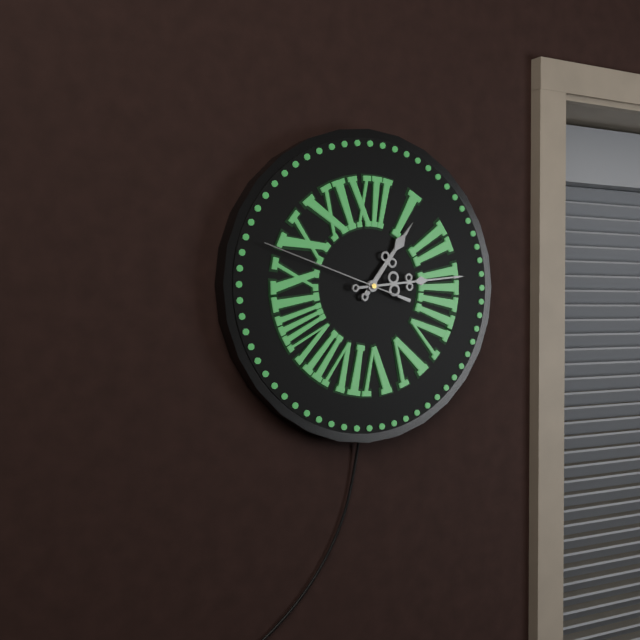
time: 1:14:48
